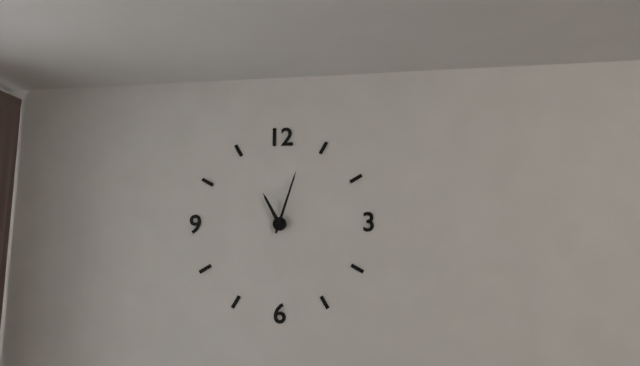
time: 11:03
